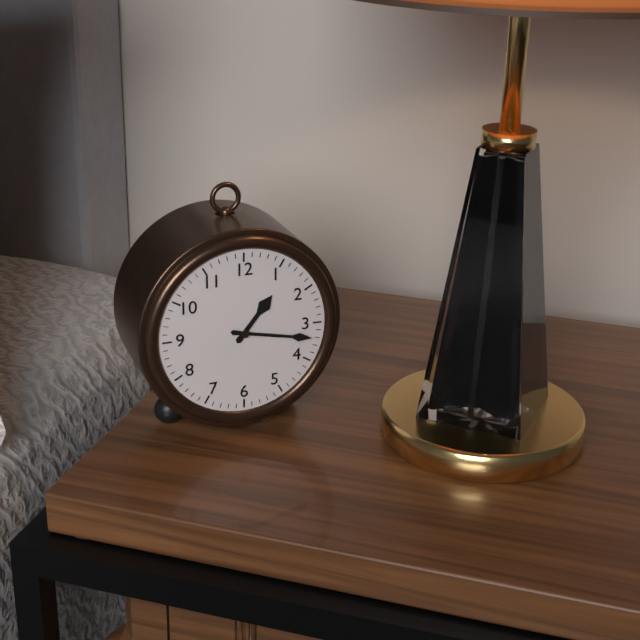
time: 1:17
